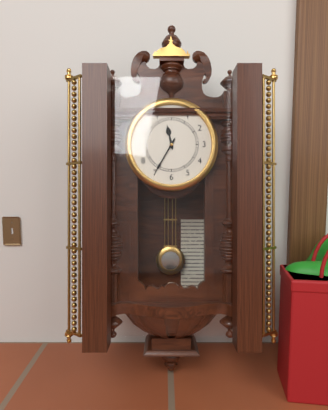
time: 11:35
